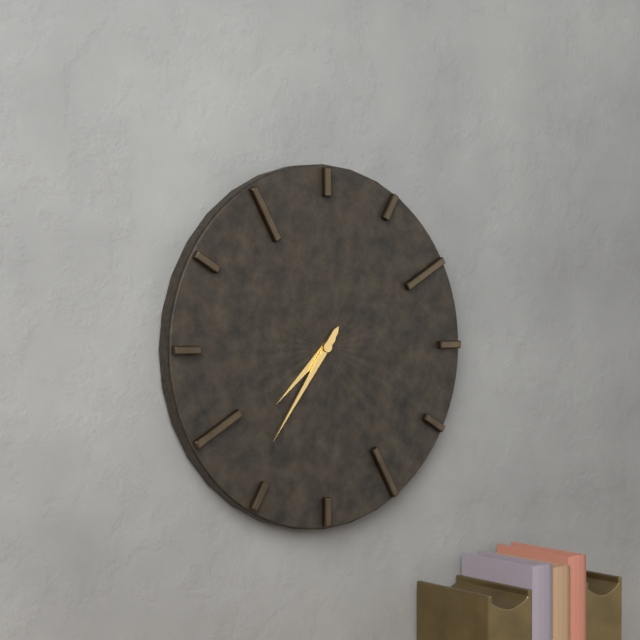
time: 7:36
